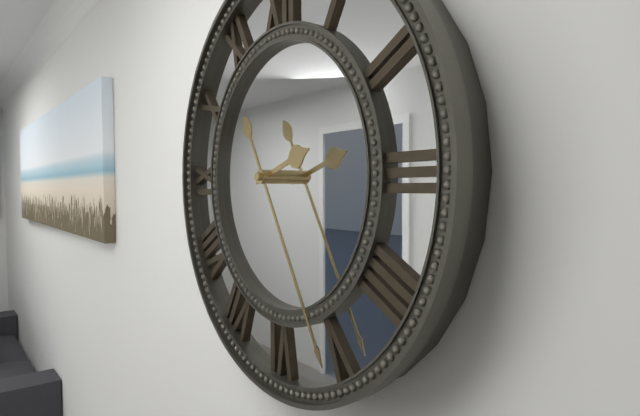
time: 2:25
